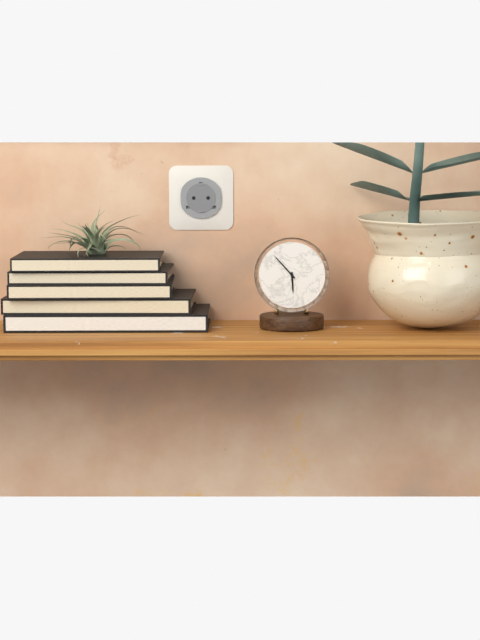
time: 5:53
